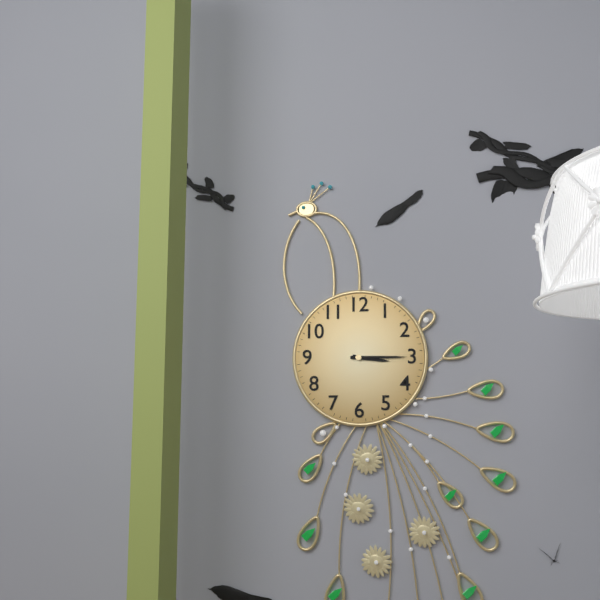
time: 3:15
